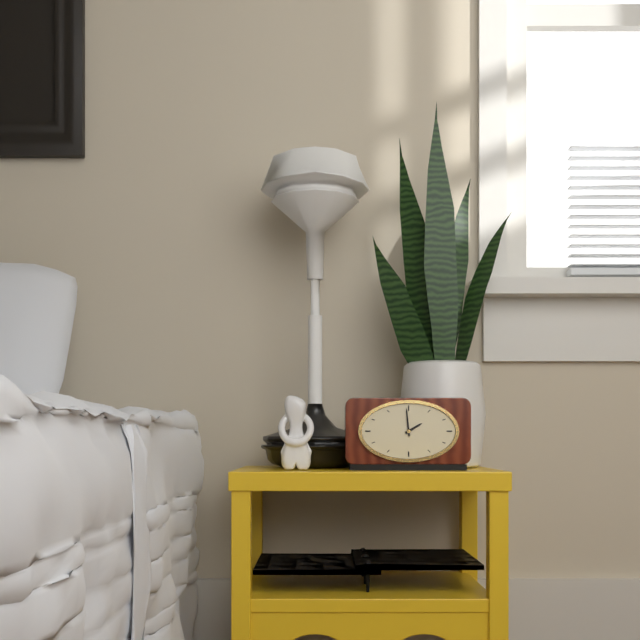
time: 1:59
